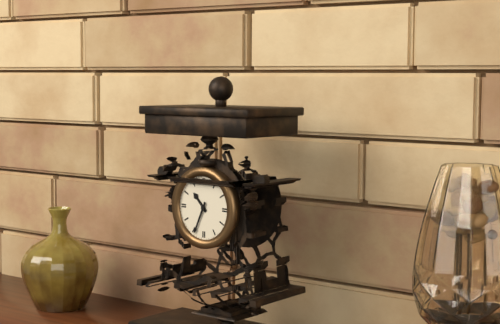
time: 10:34
